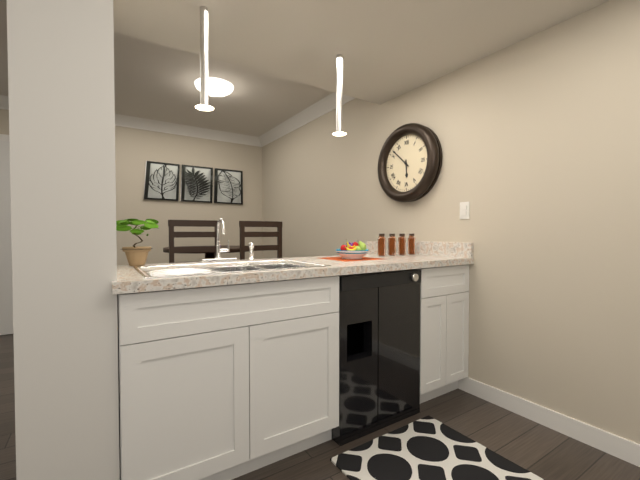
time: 5:52
